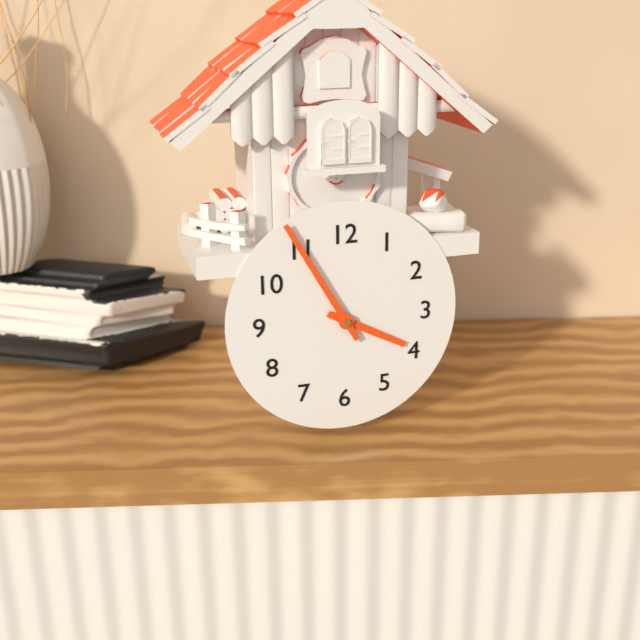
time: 3:55
